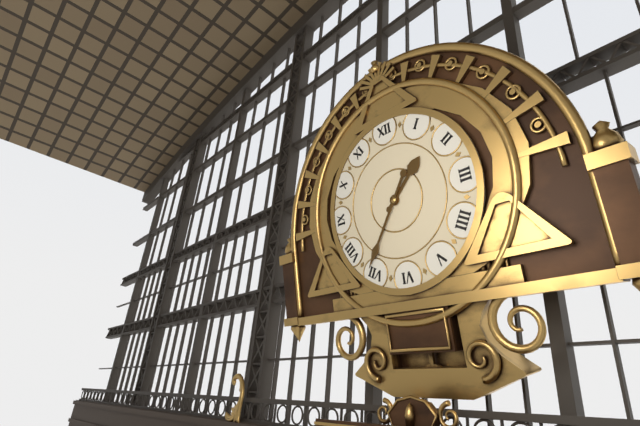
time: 1:36
